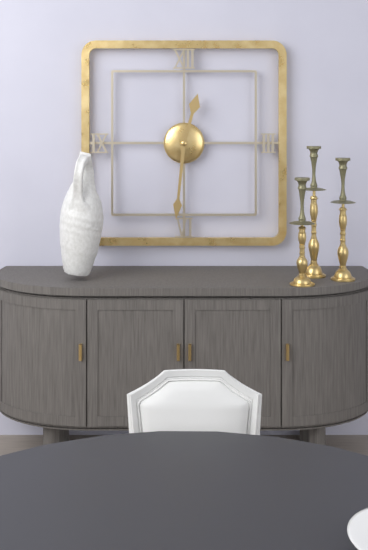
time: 12:31
